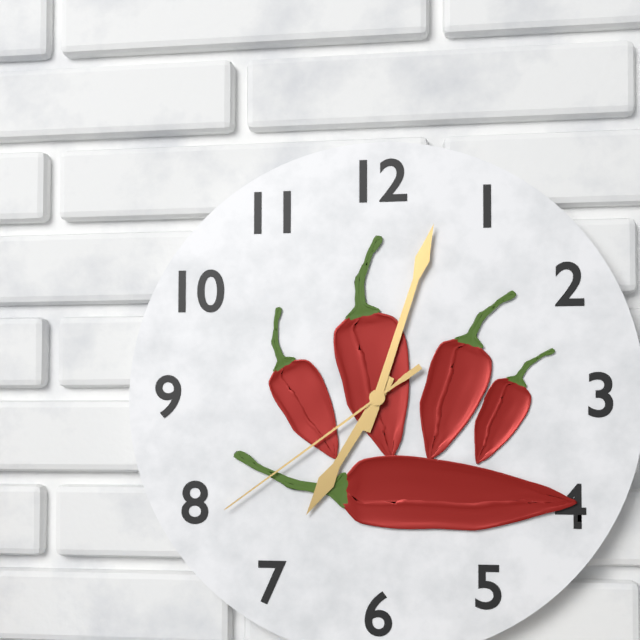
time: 7:03:39
